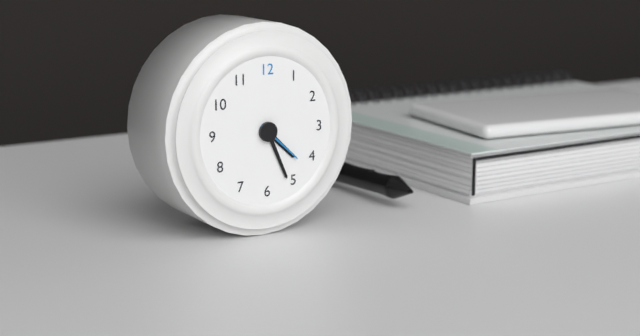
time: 4:26:22
